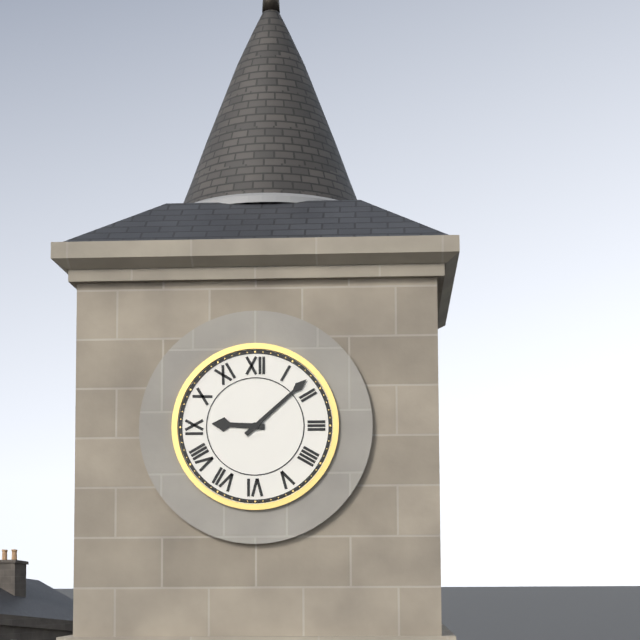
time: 9:08
